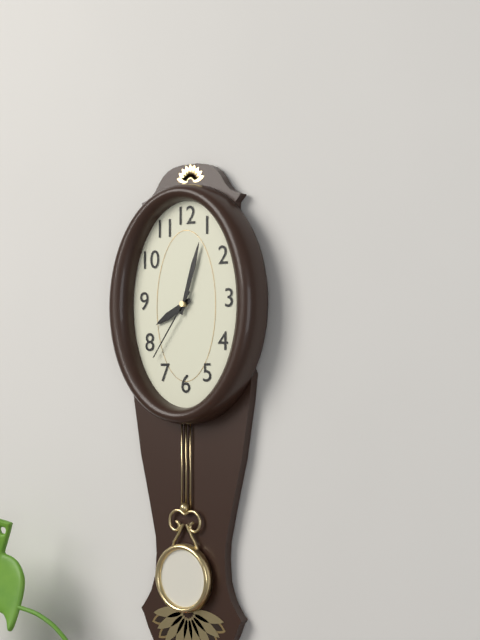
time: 8:03:36
